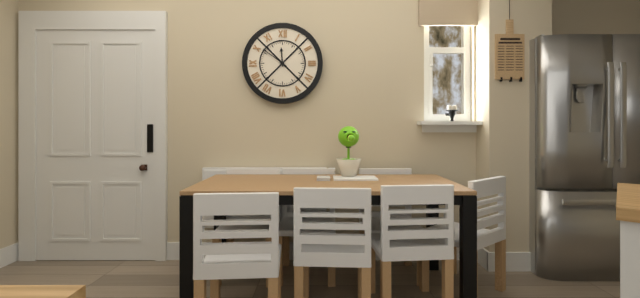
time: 11:51
